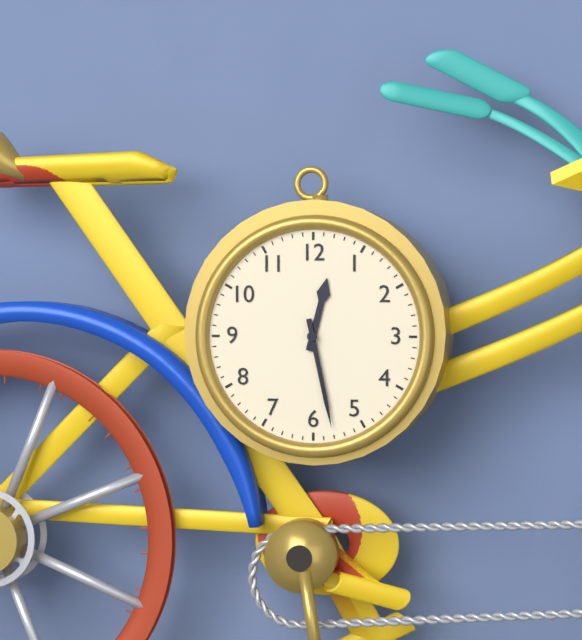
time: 12:28
